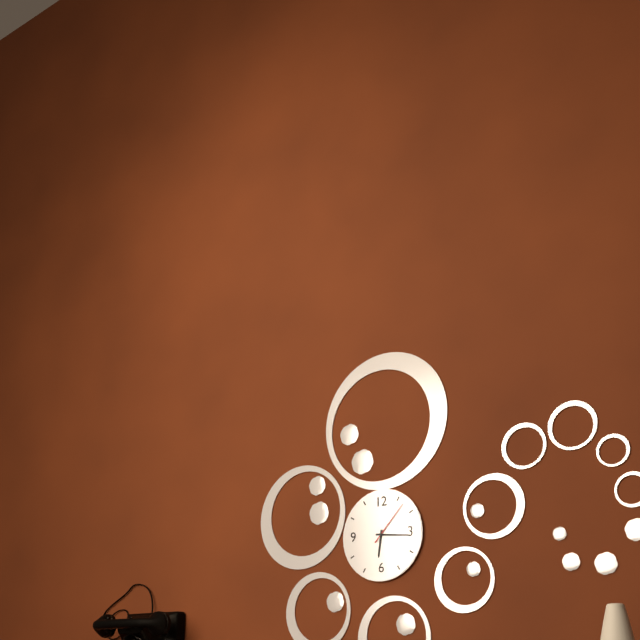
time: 6:16
